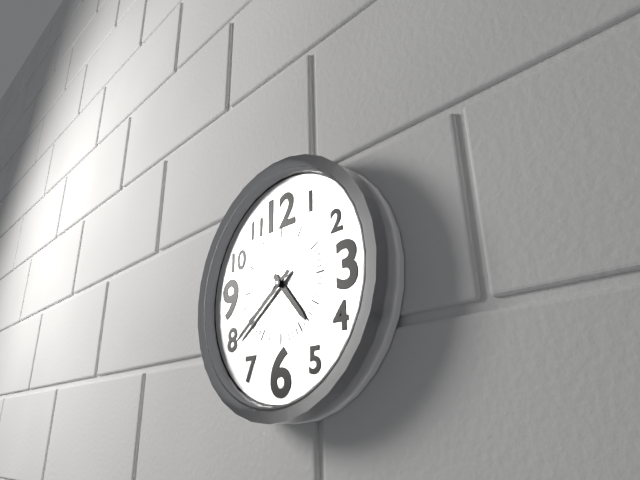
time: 4:39:42
